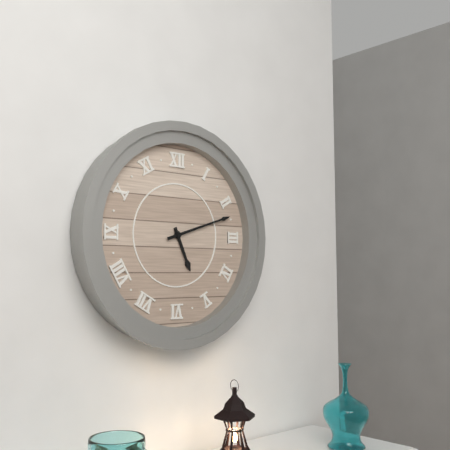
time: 5:12
